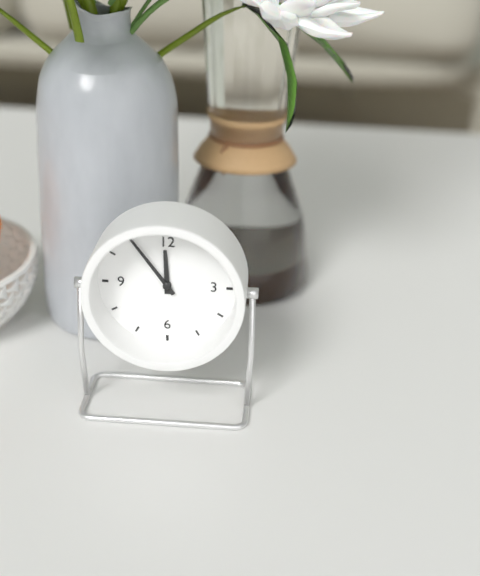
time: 11:54
